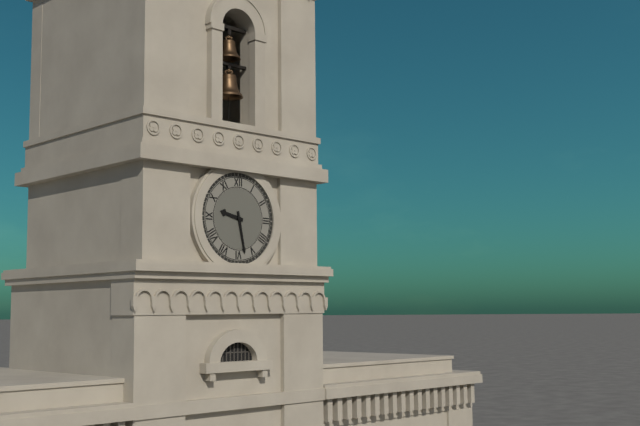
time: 9:28
